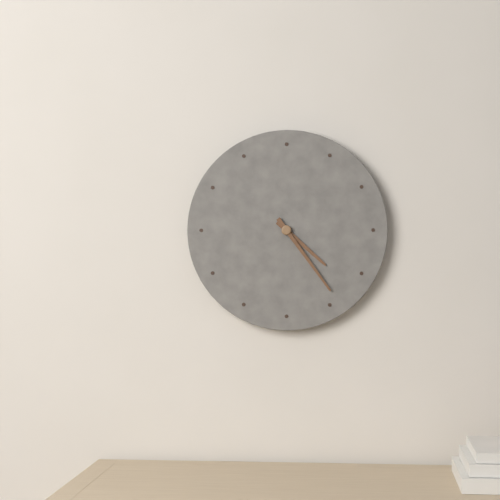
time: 4:24
